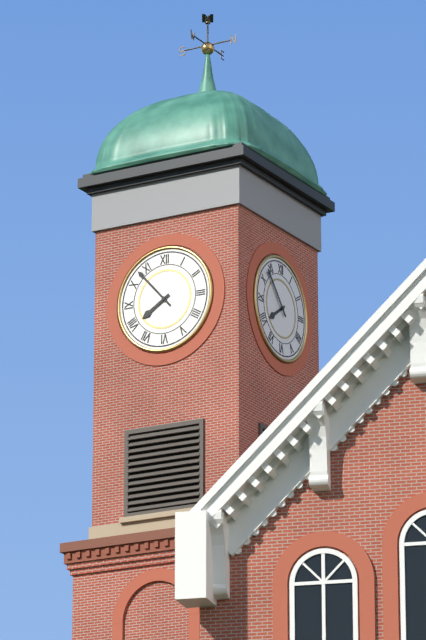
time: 7:53
